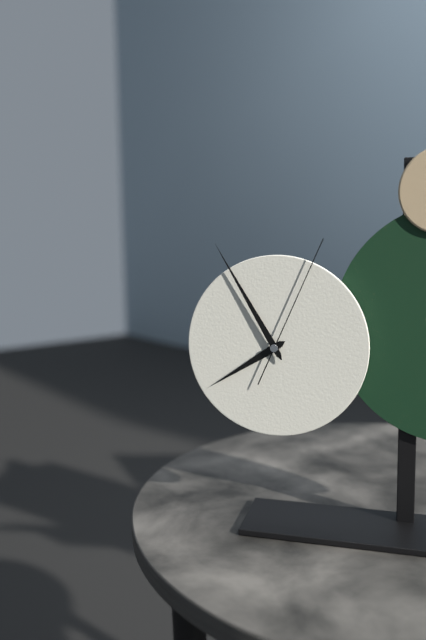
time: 7:55:04
